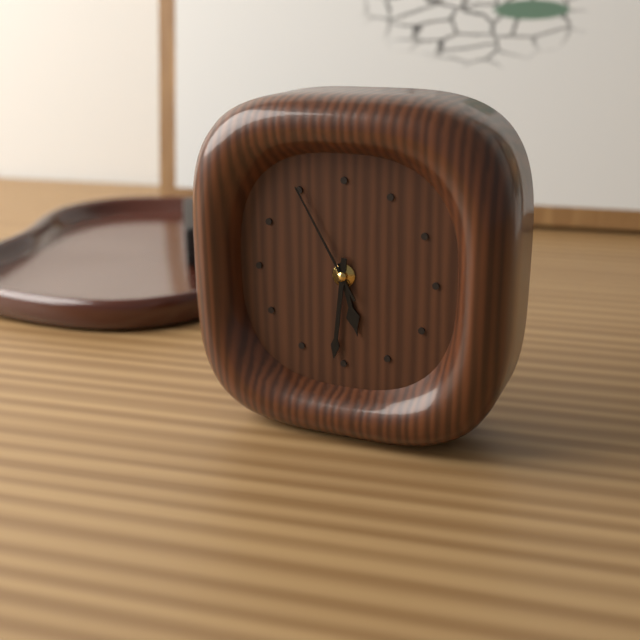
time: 5:31:55
